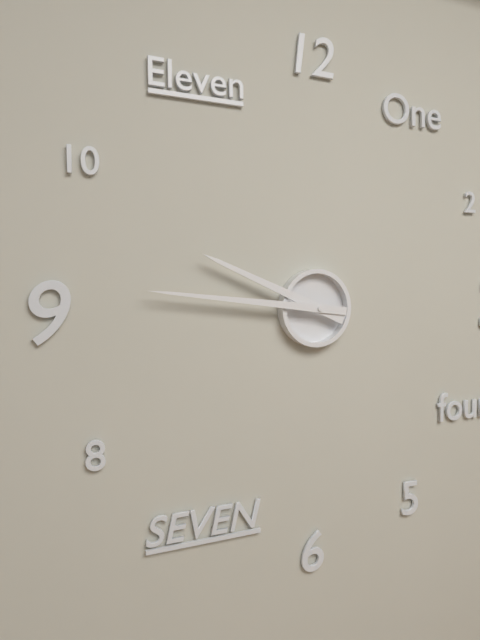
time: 9:46
